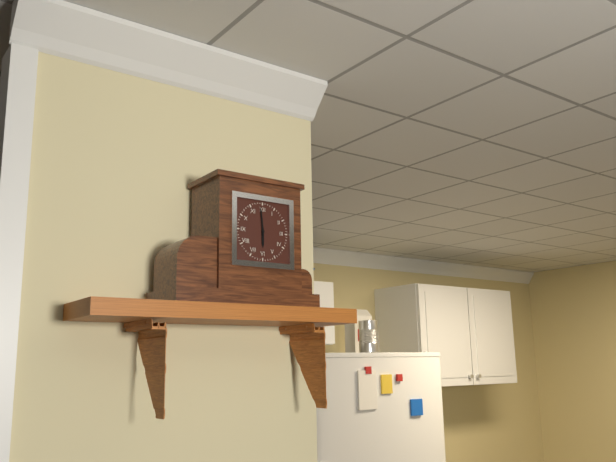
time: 5:59
